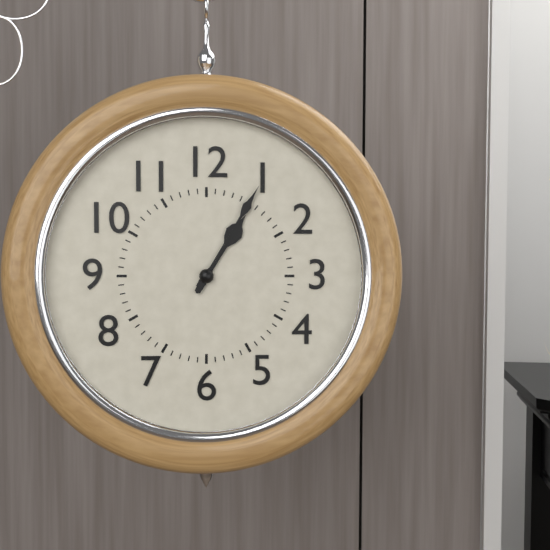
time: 1:05
